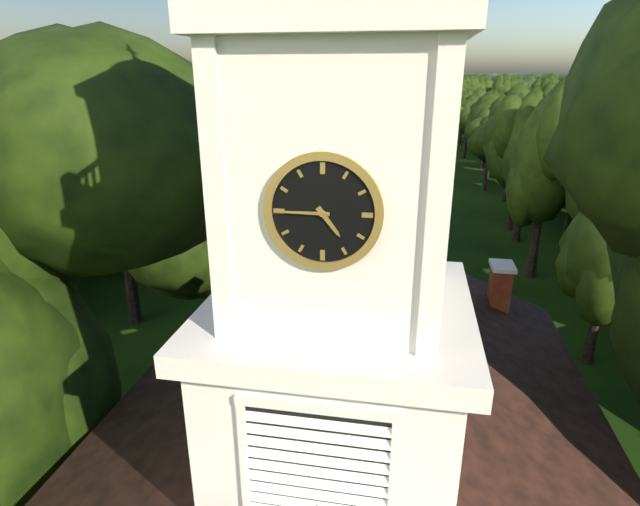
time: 4:45
